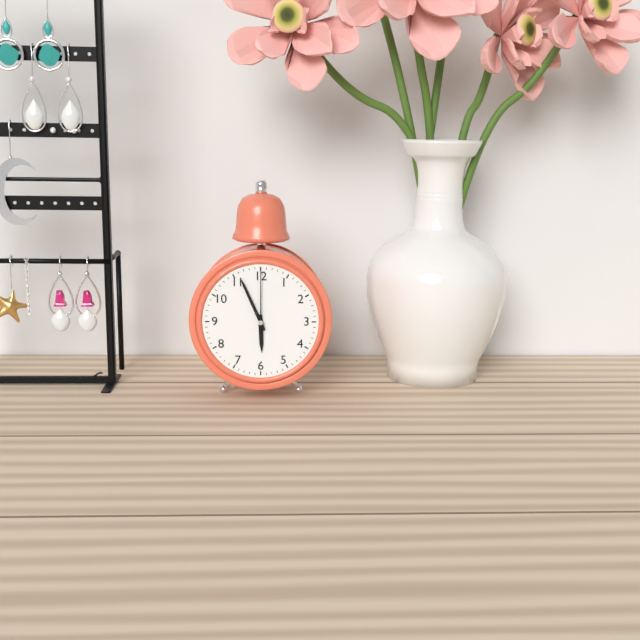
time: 5:56:00
